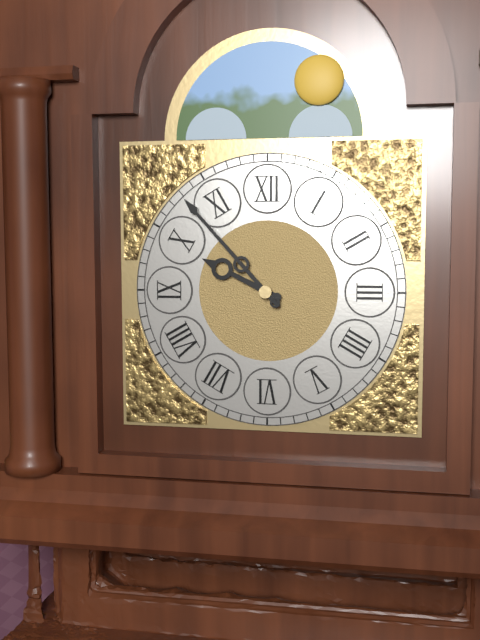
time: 9:53
